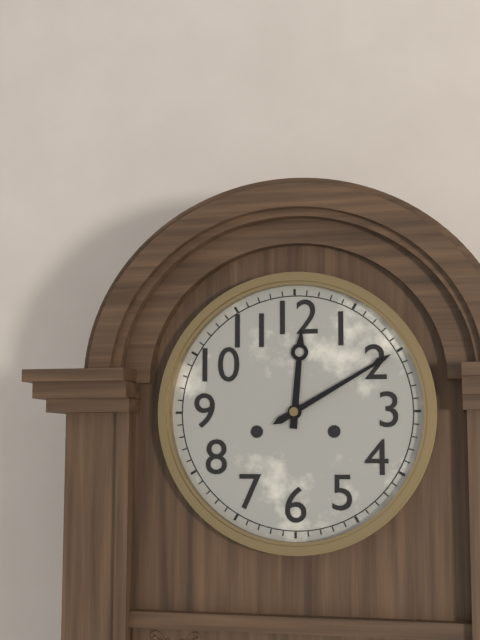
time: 12:10
